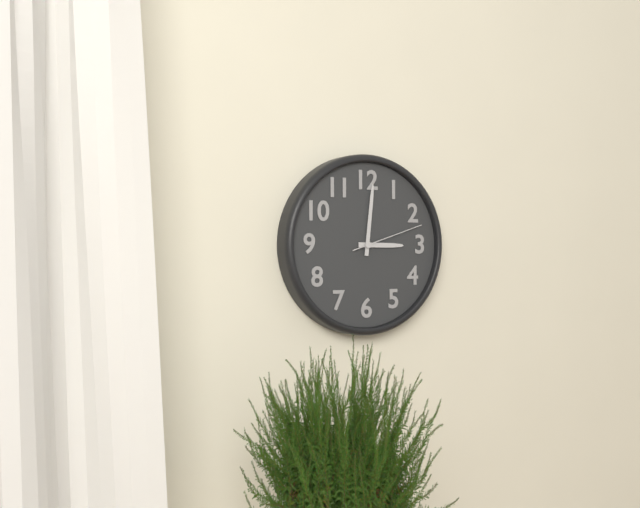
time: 3:01:12
